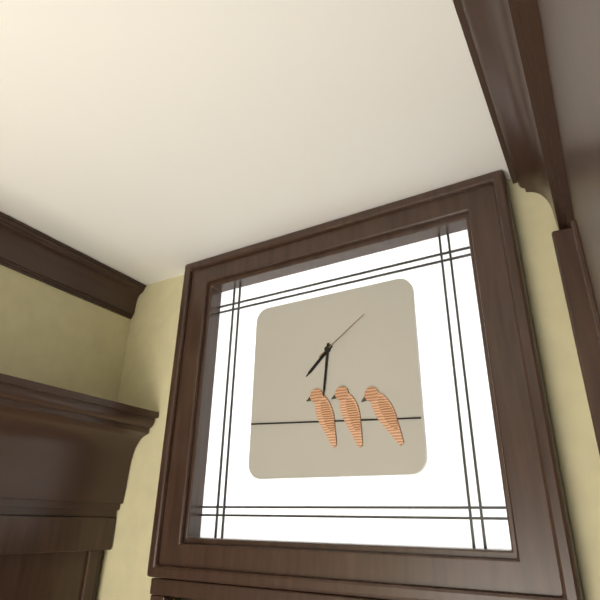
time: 7:31:09
